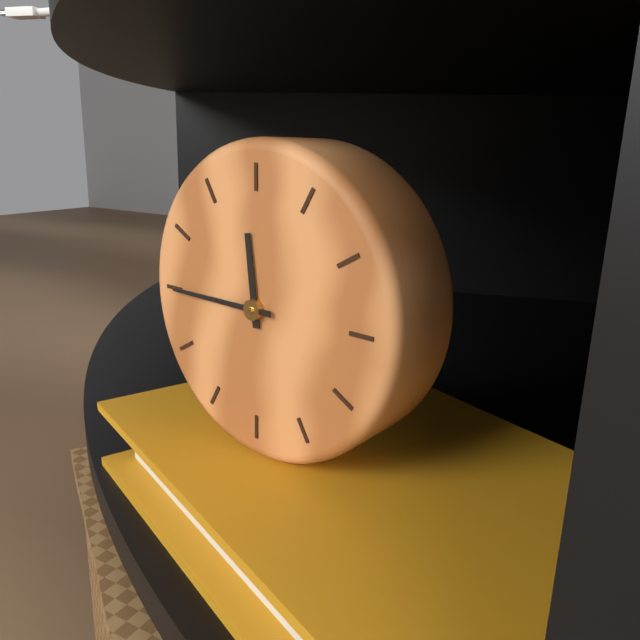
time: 11:45
